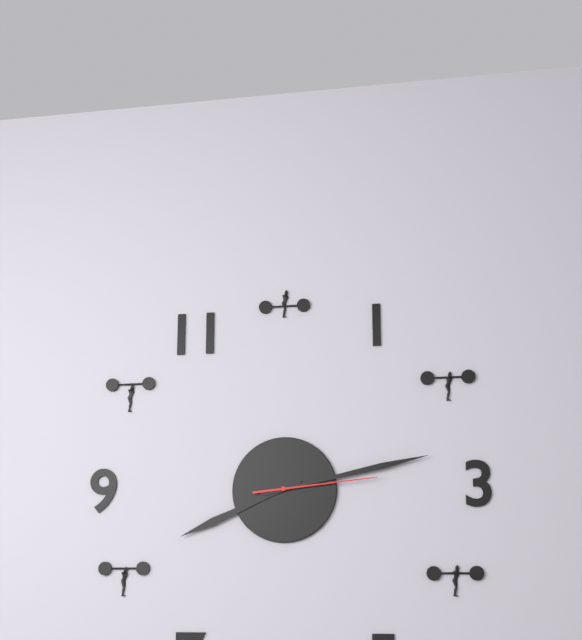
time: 8:13:14
